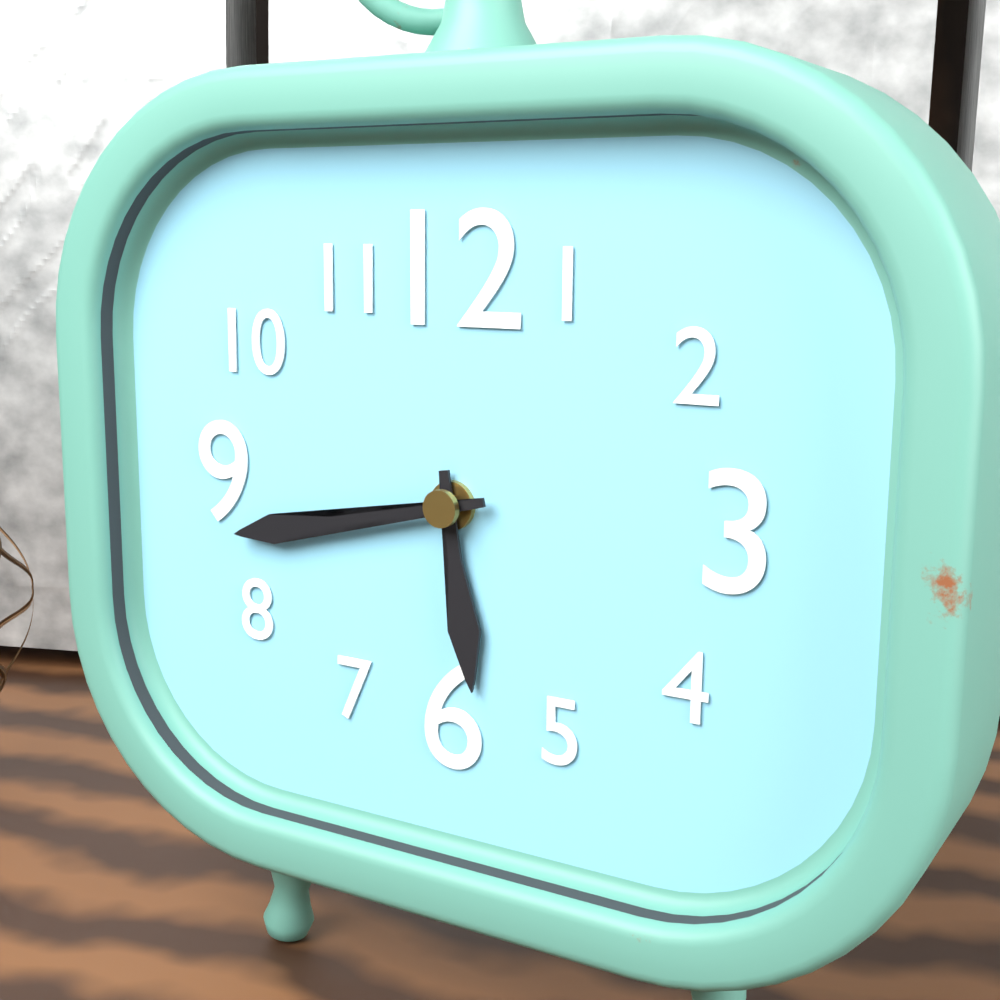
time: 5:43
